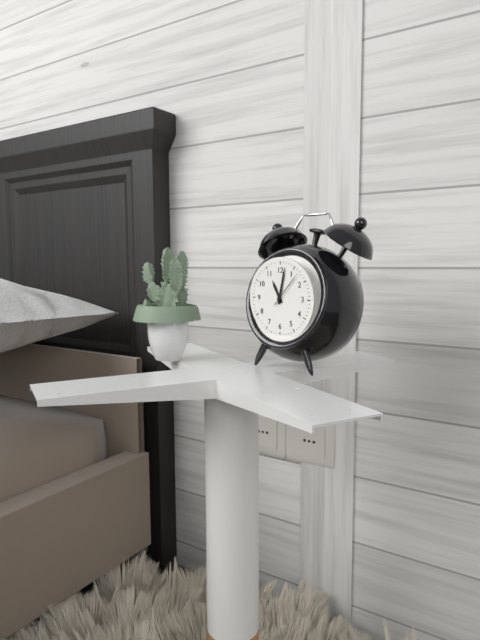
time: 11:02
